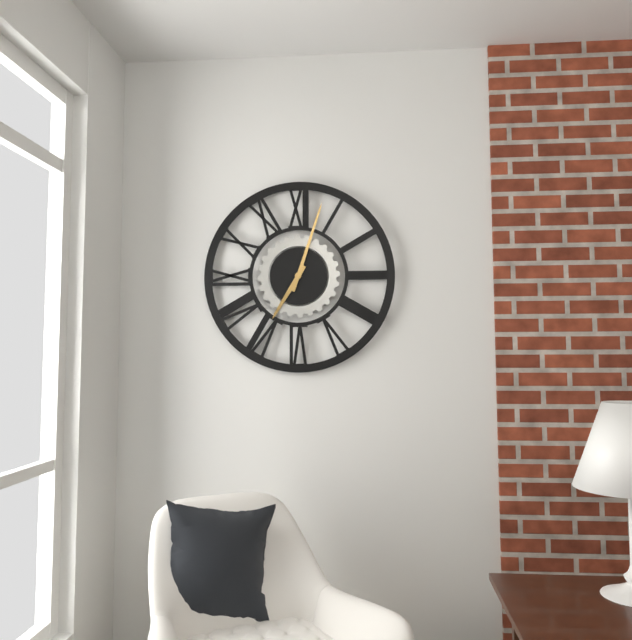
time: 7:03
